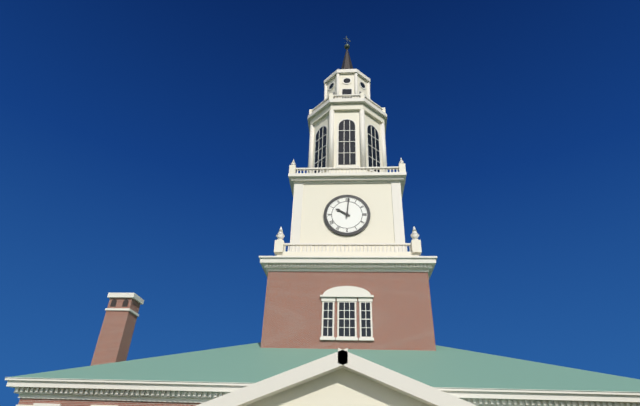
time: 10:01
